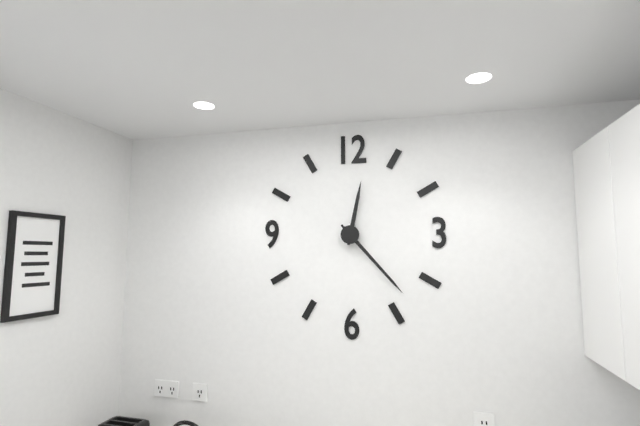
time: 12:23
